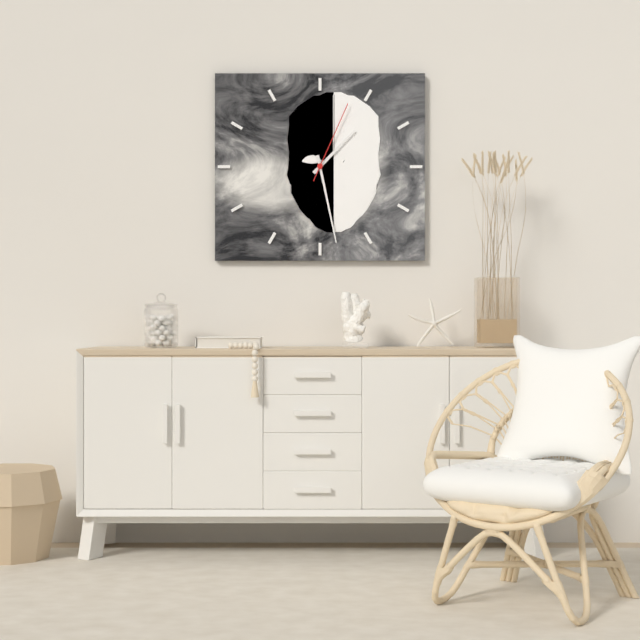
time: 1:28:04
